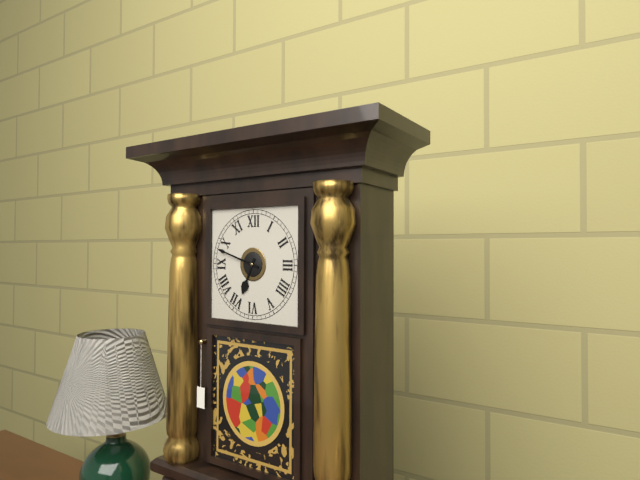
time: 6:48
